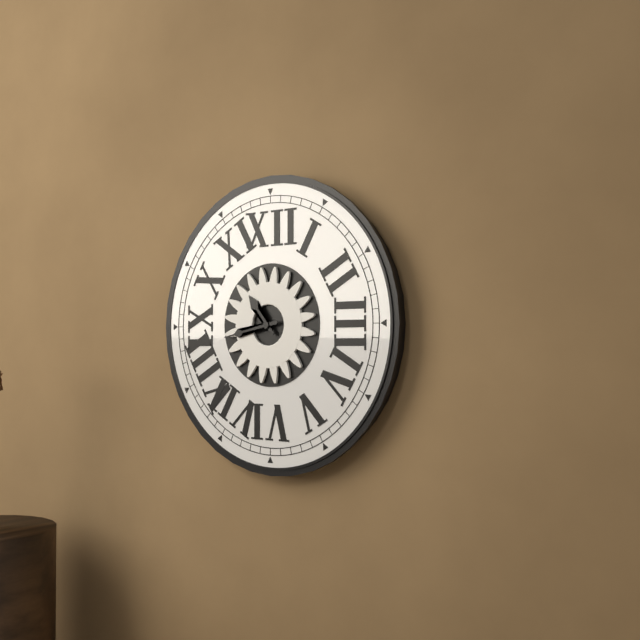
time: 10:43
